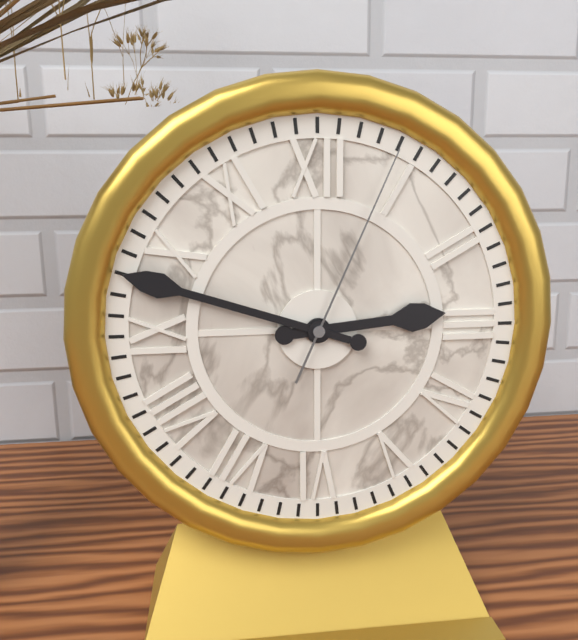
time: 2:48:04
